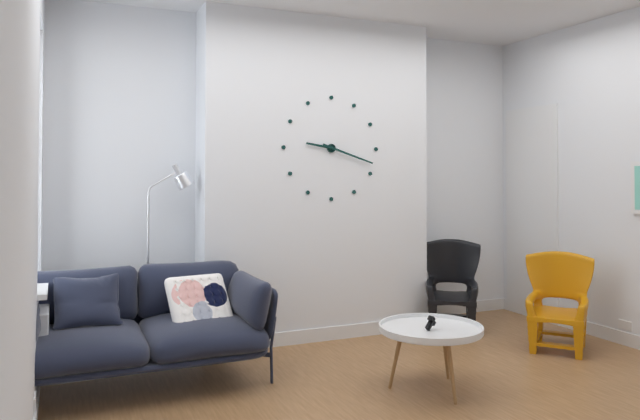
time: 9:18
